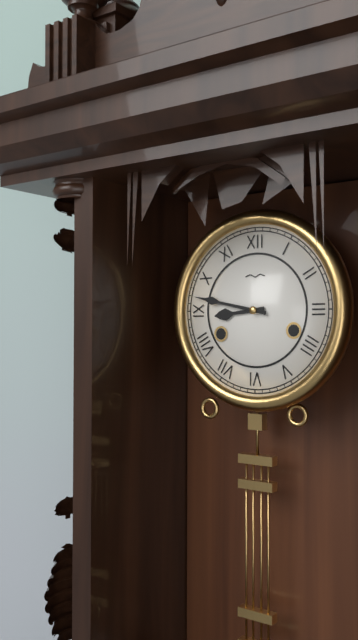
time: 8:47
